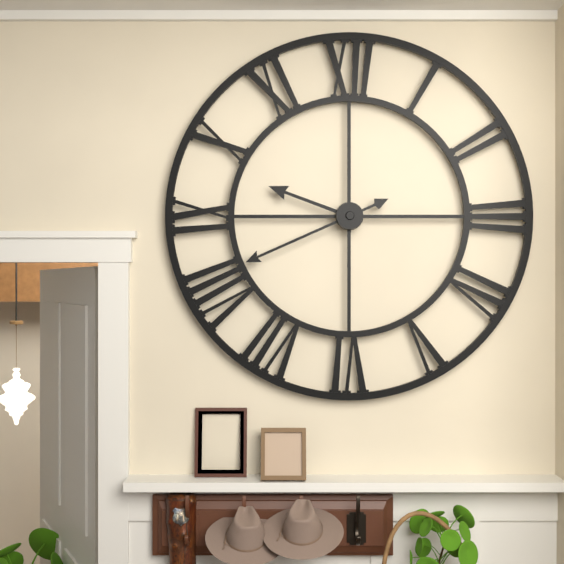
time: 9:41
